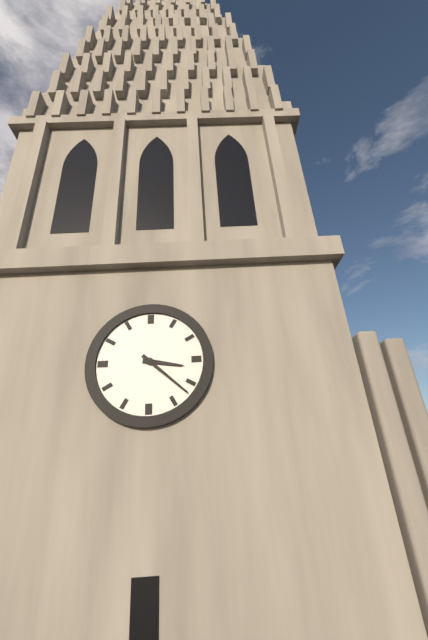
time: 3:22
